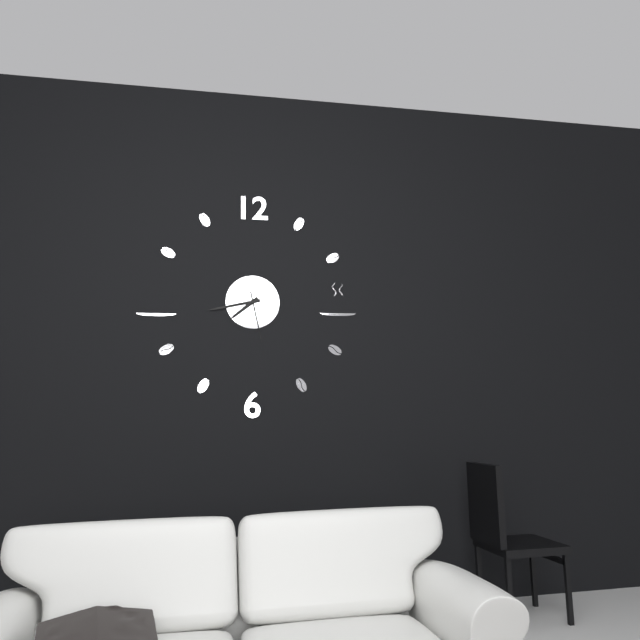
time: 7:43:28
